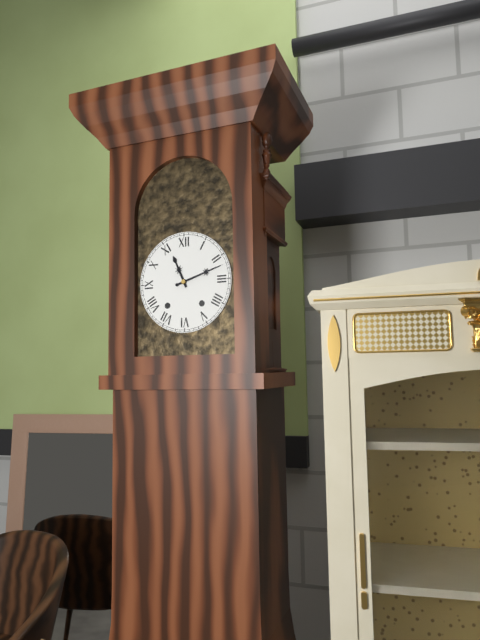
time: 11:12
